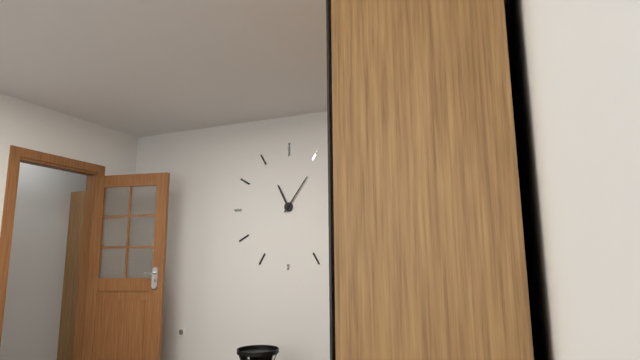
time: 11:06
